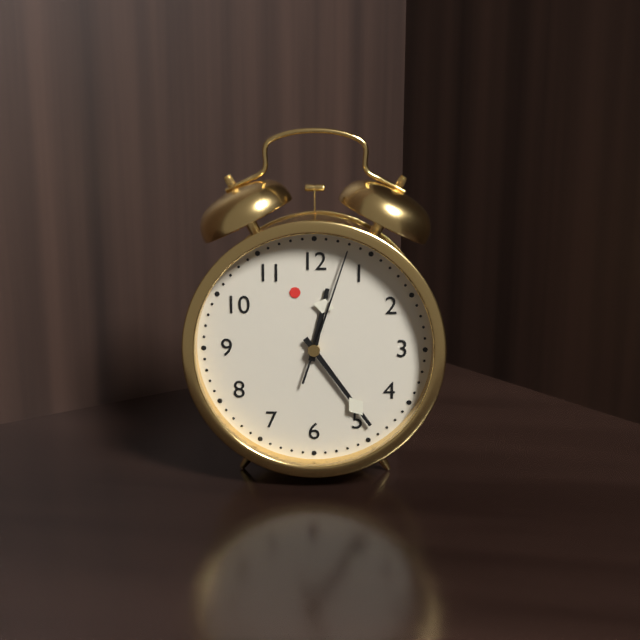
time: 12:24:03
